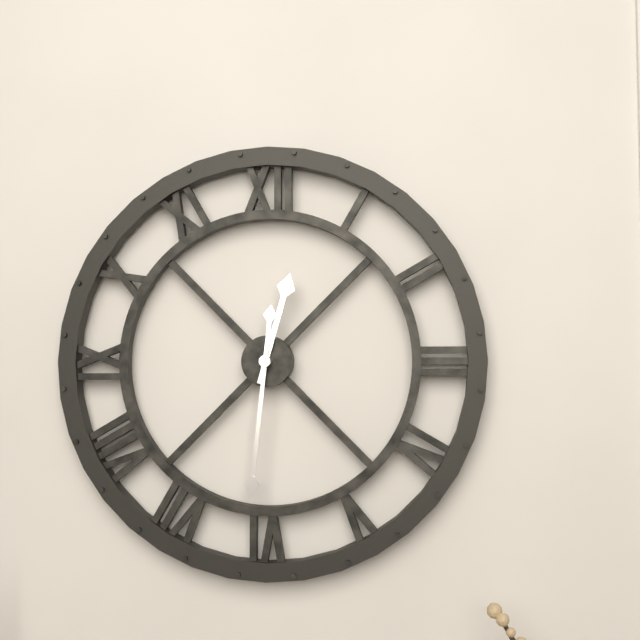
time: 12:31
